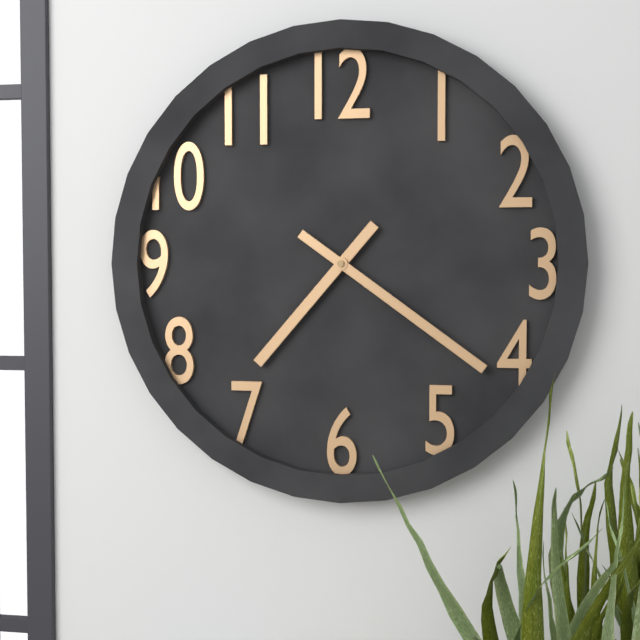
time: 7:21
